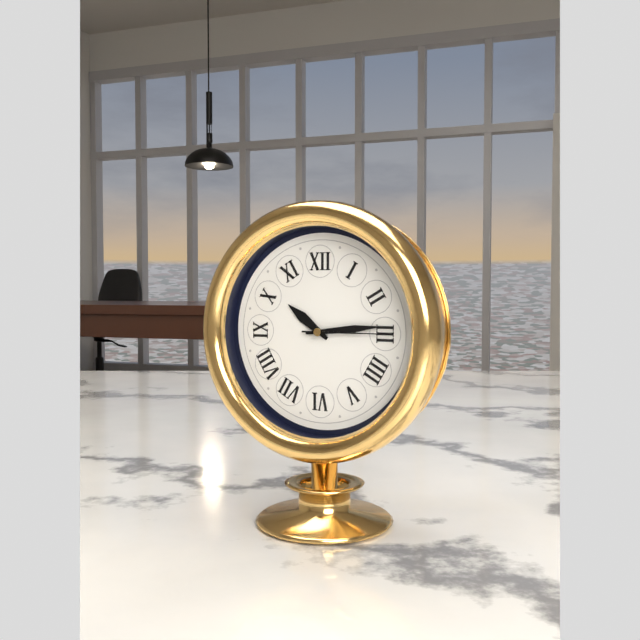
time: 10:14:15
